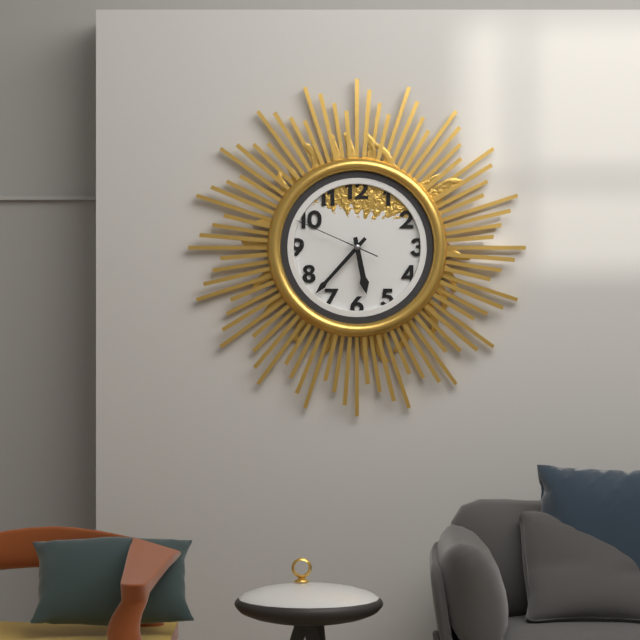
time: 5:37:49
